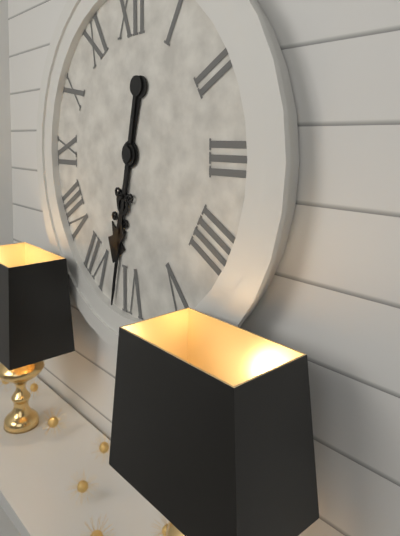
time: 6:32
